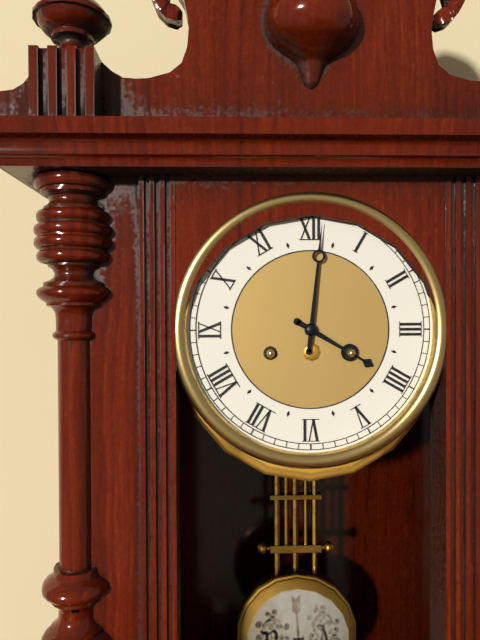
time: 4:01
